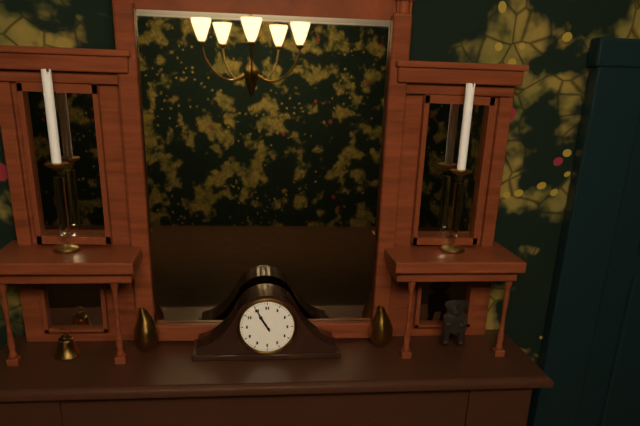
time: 10:55
